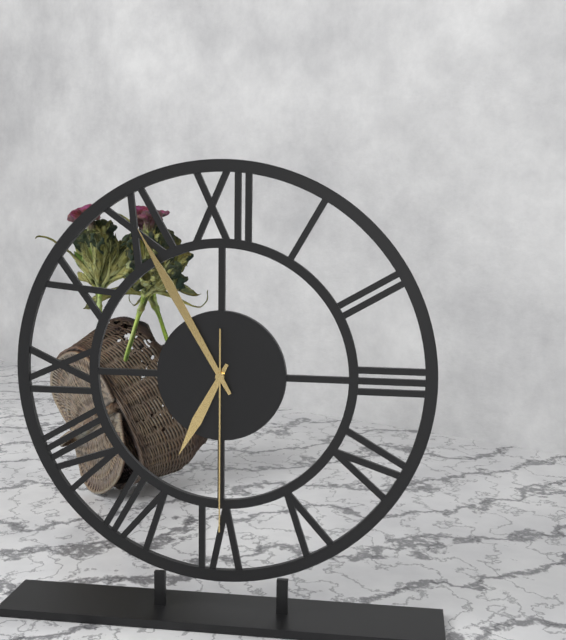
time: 6:55:30
